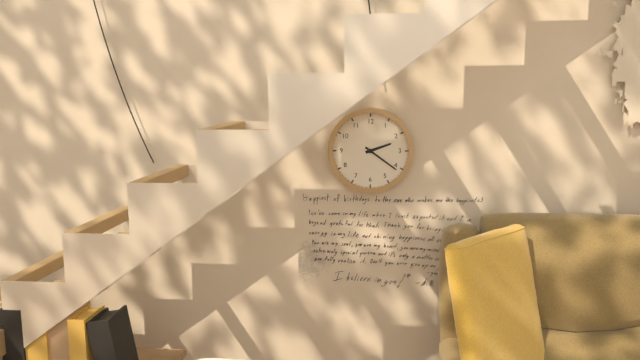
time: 2:21
